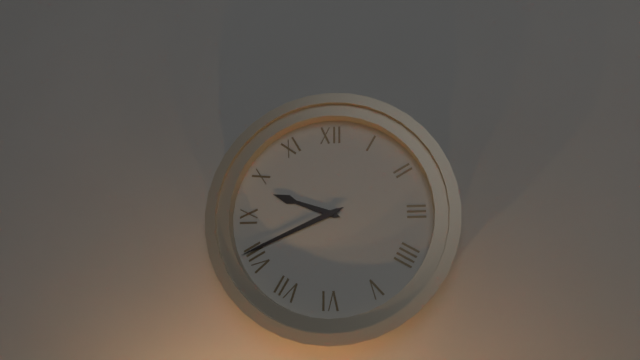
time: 9:41
